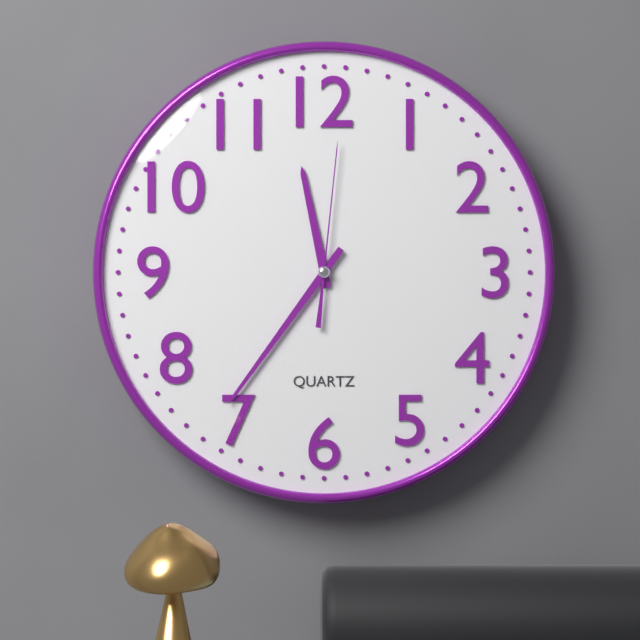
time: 11:36:01
